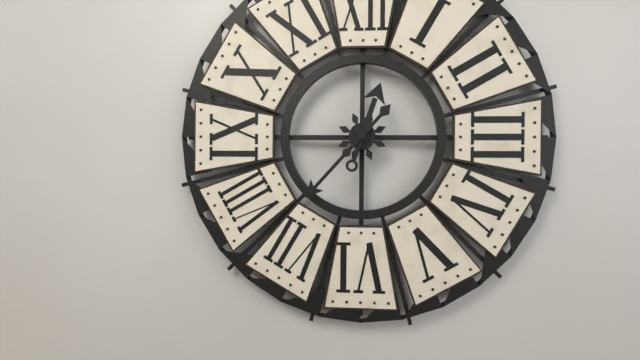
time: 12:37
